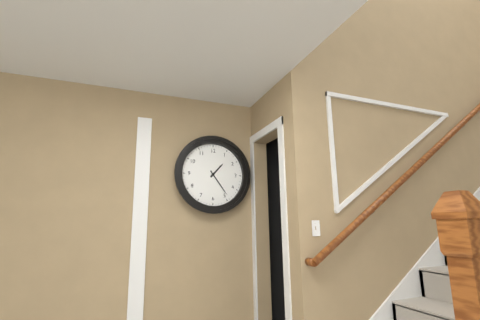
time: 1:24
